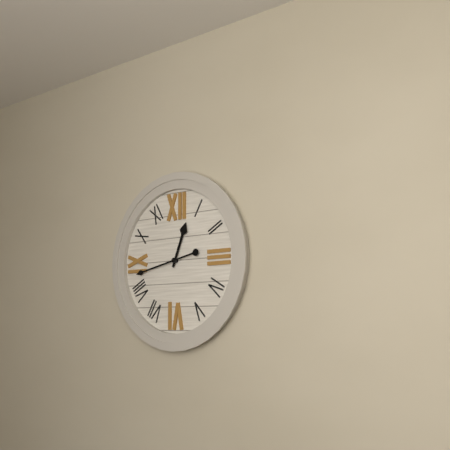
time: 12:43
